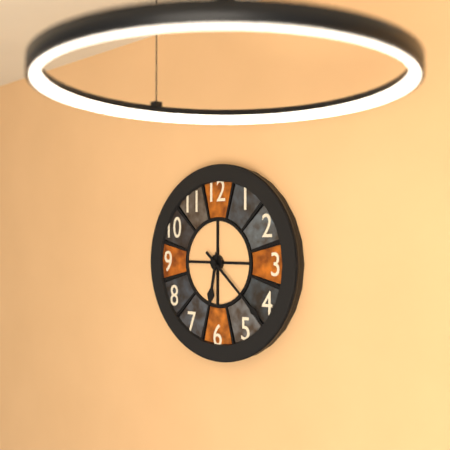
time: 6:22
